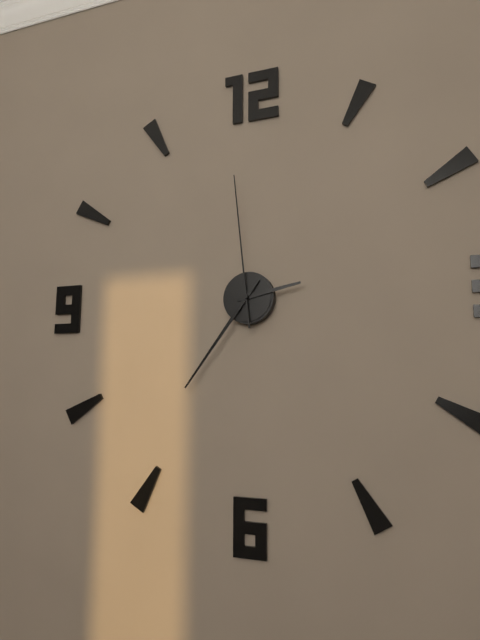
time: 2:36:59
